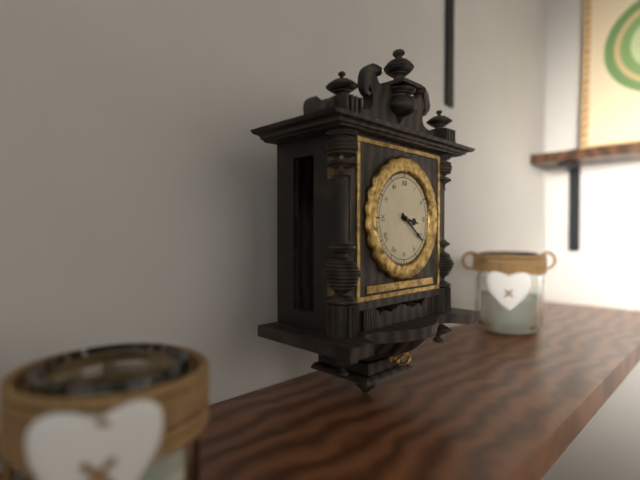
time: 3:21
